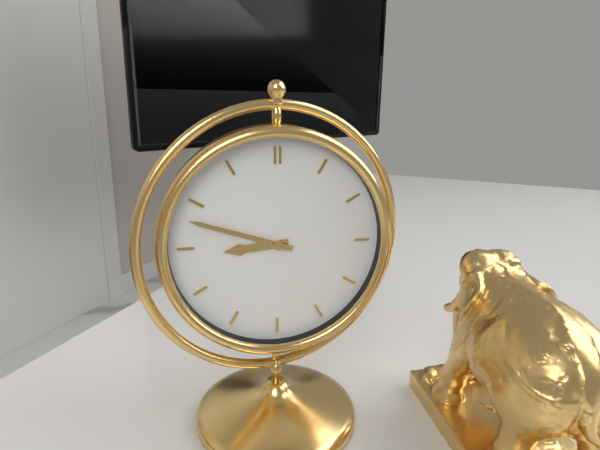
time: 8:48
